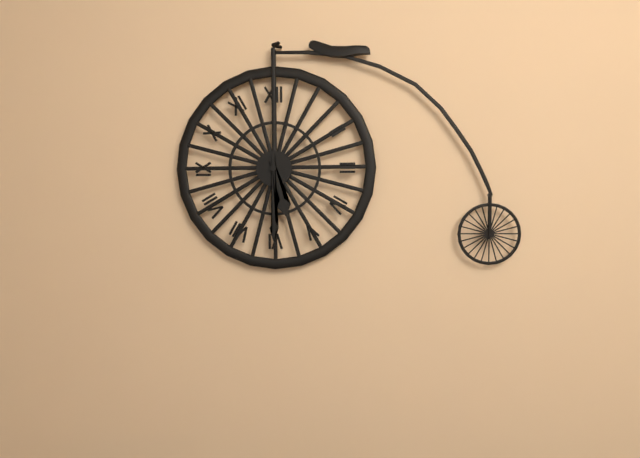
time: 5:30
